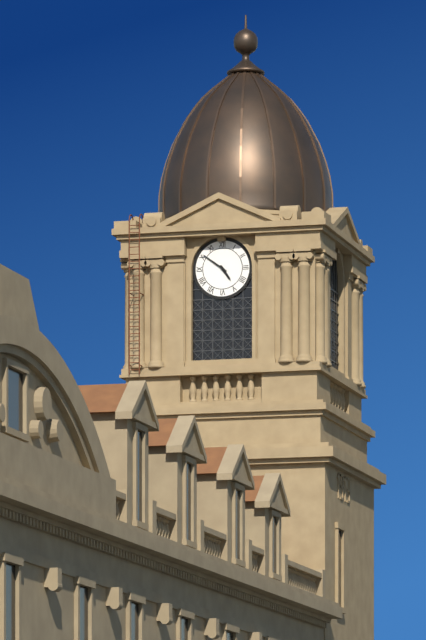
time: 4:51
